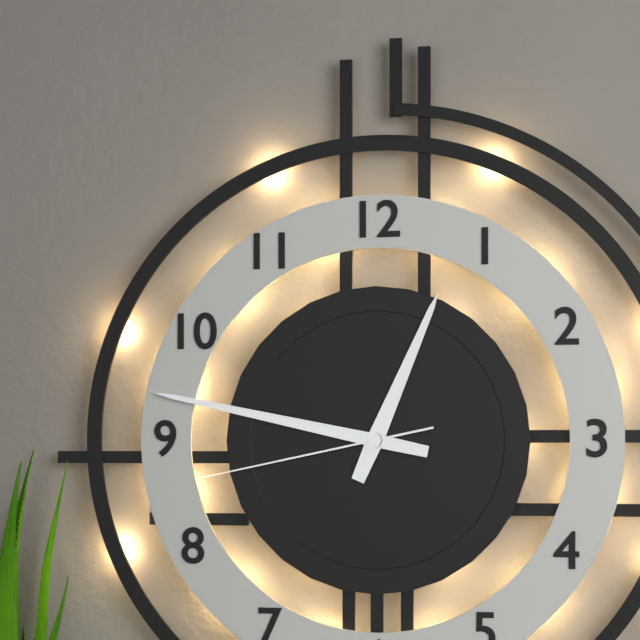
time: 12:47:43
